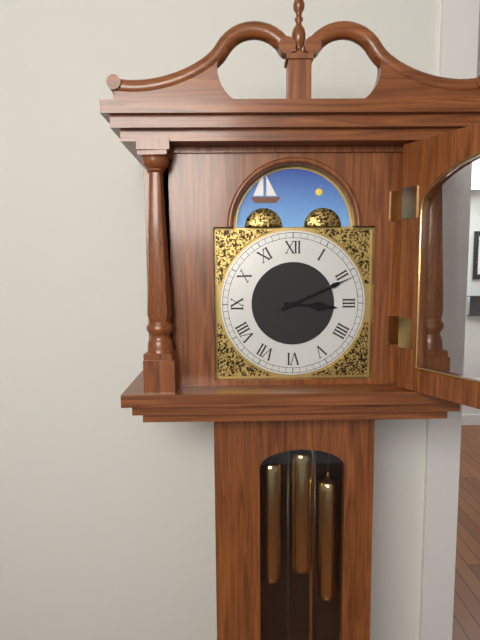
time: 3:11
